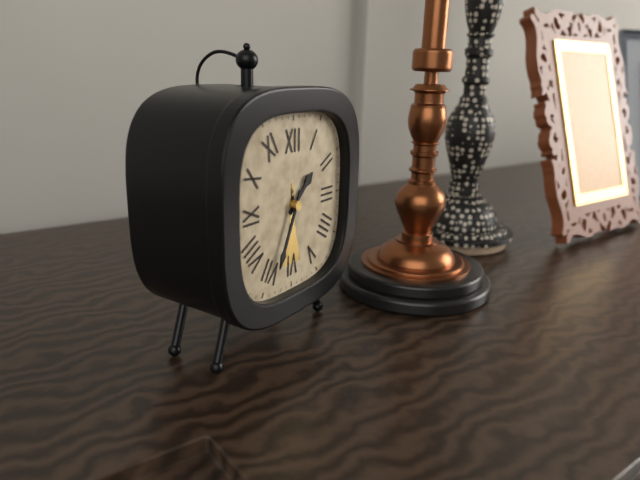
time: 1:34
